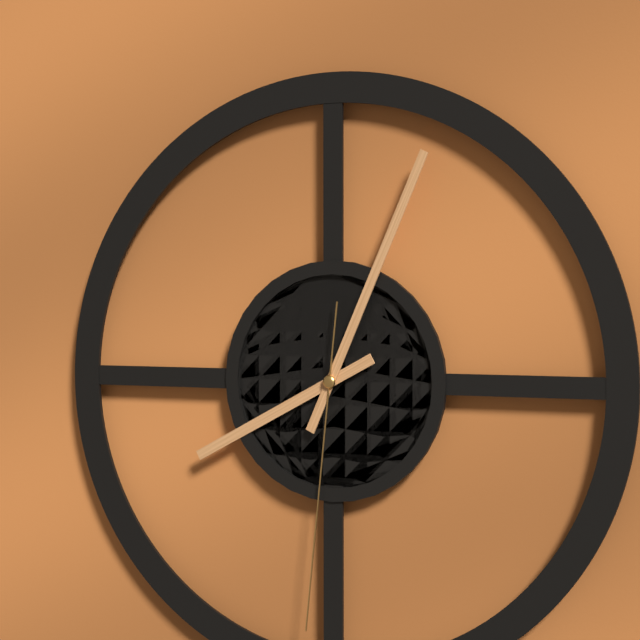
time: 8:04:31
